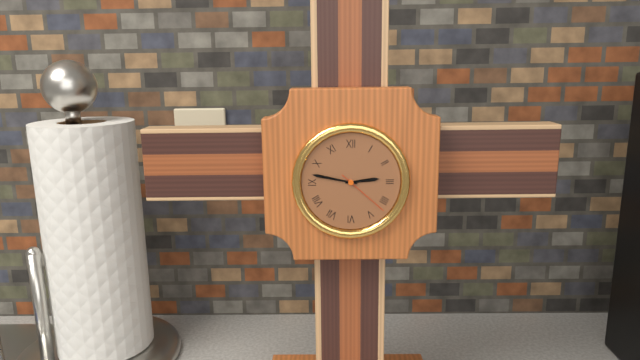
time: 2:47:22
